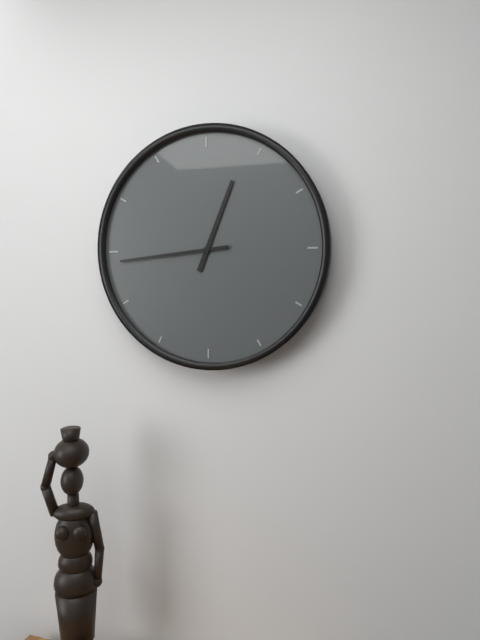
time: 12:44
